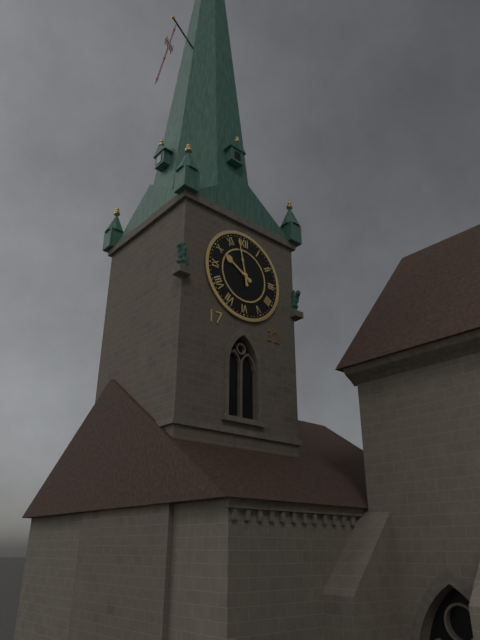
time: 9:58
